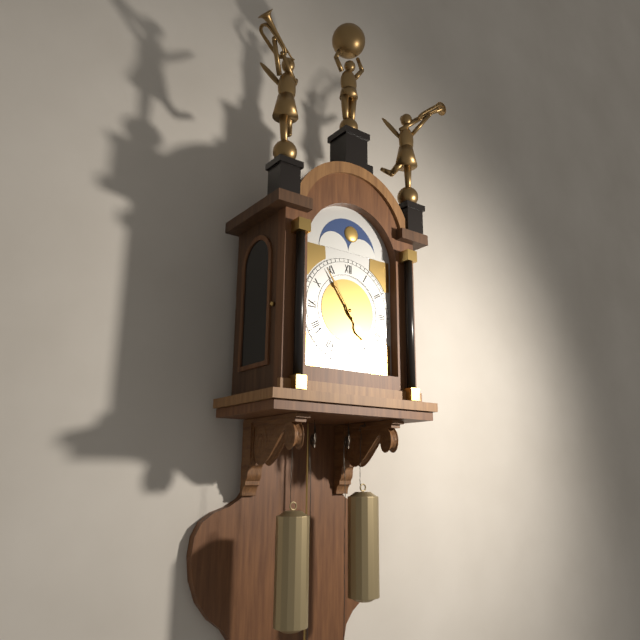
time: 4:54
